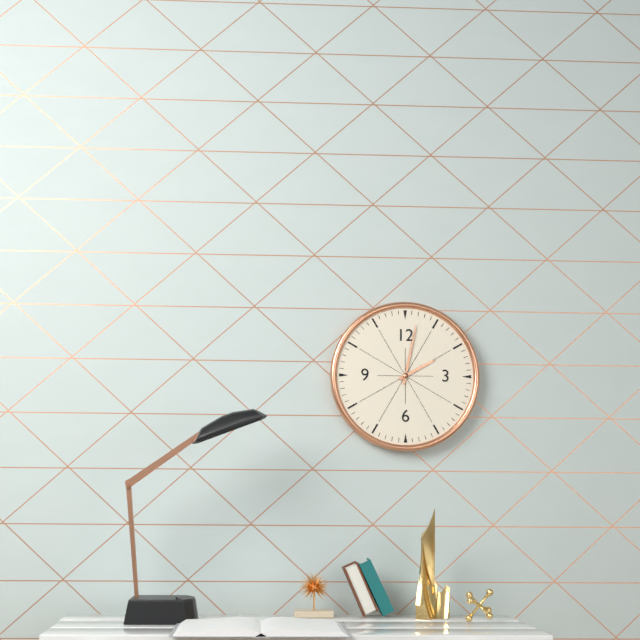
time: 2:02
